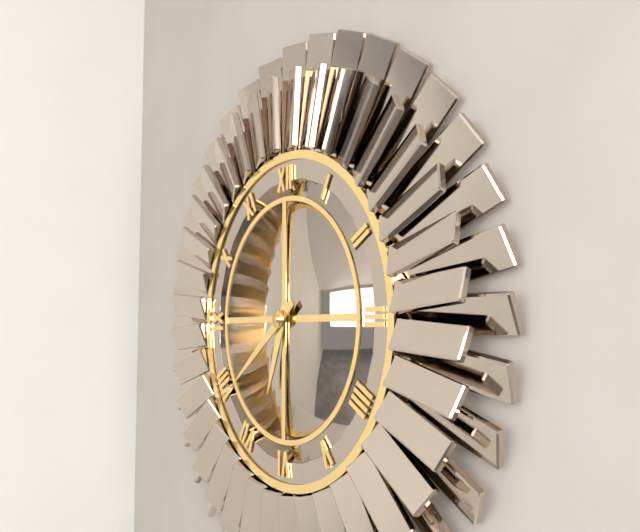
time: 6:39
